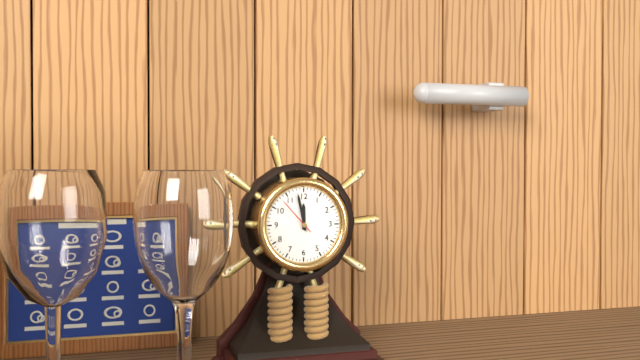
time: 11:58
